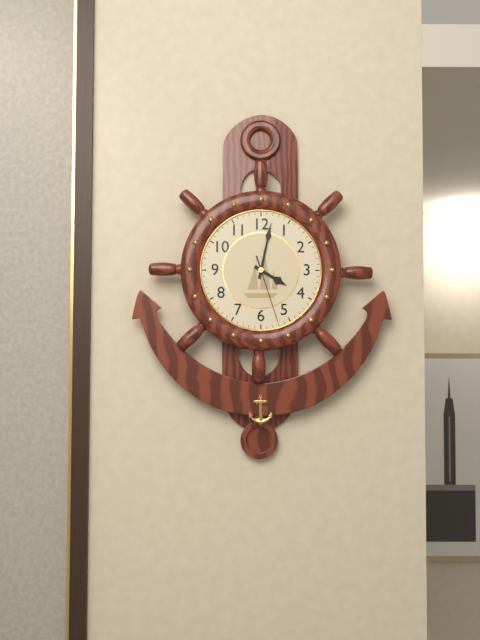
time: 4:02:27
